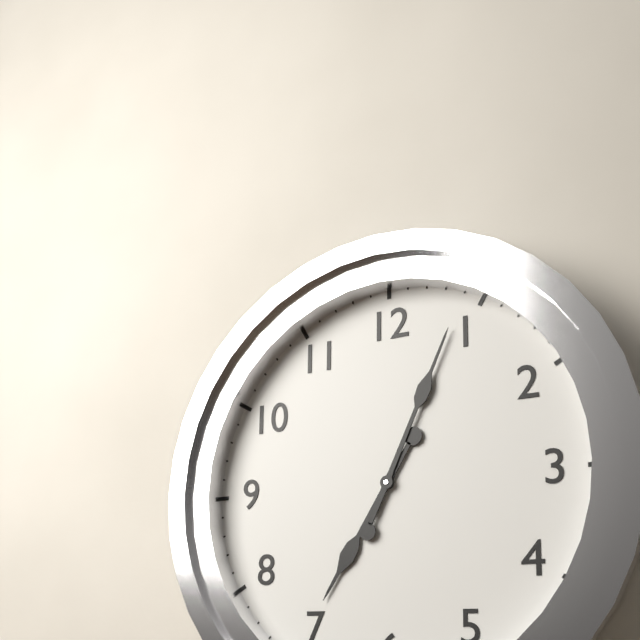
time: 7:04
